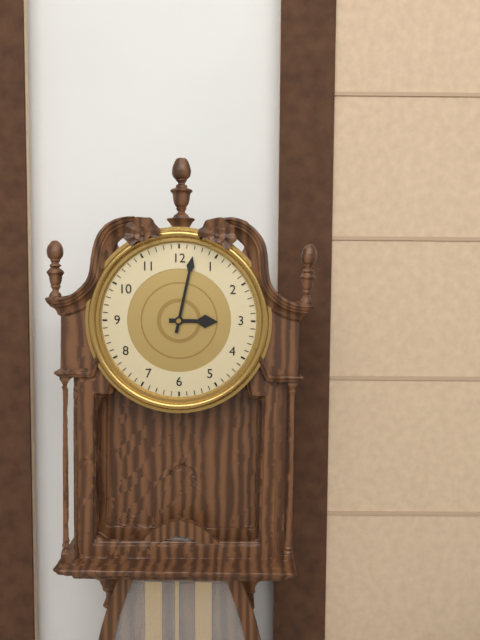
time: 3:02
